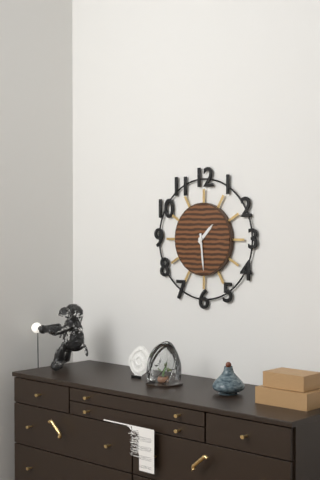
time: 1:29
